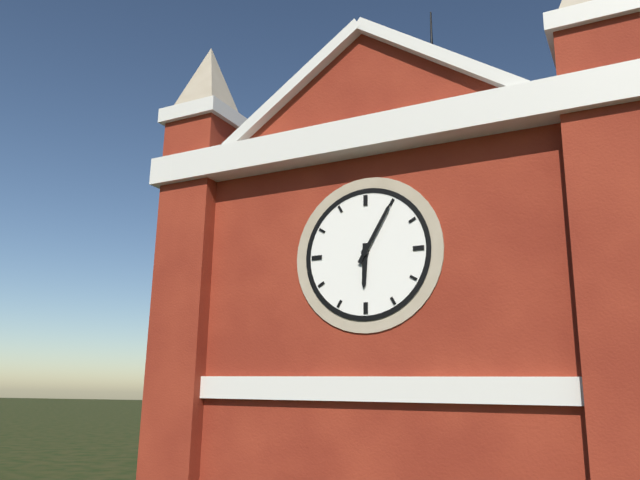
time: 6:05
